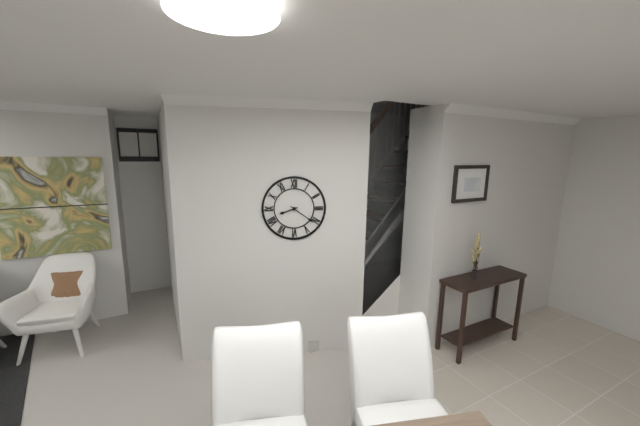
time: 8:21
